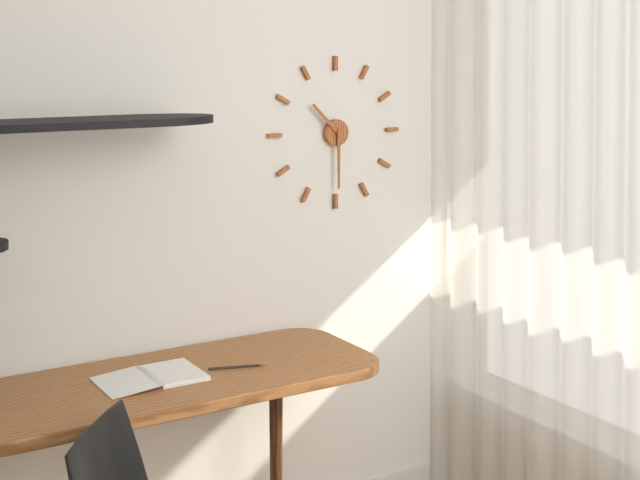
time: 10:30
